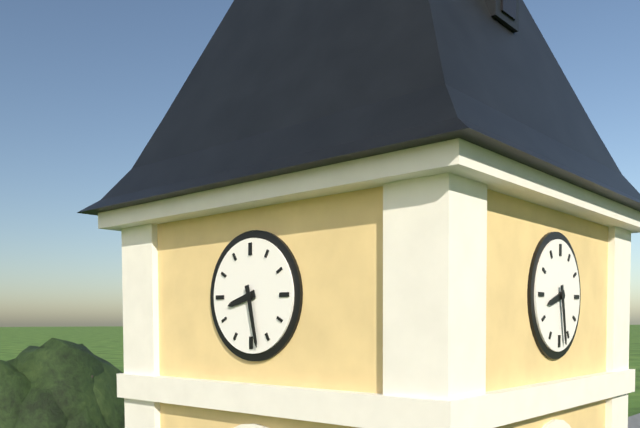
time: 8:28
